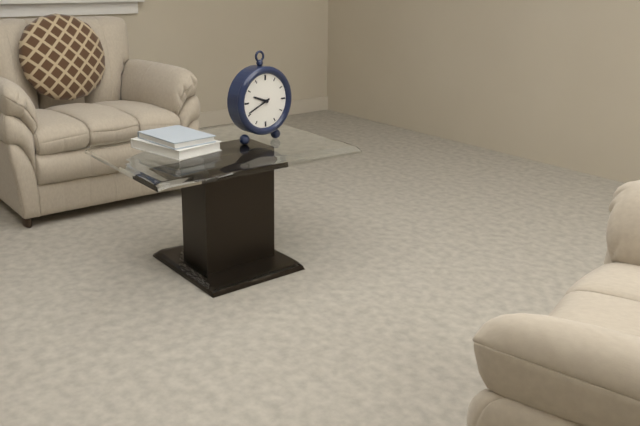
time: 9:41
